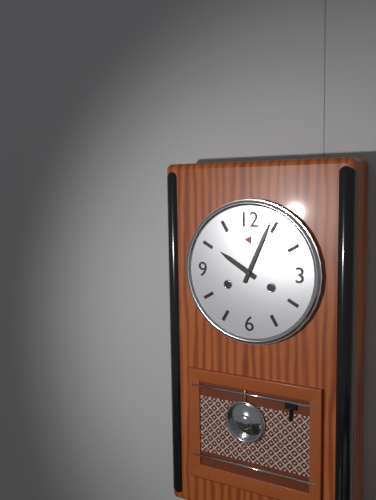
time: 10:04
